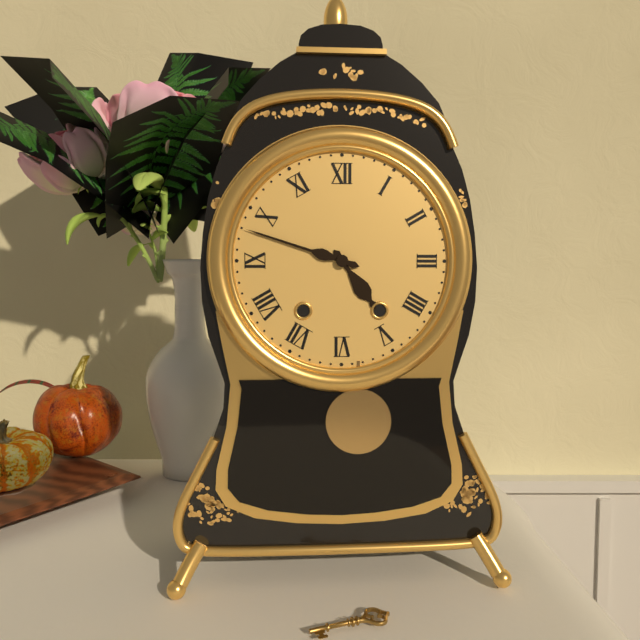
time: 4:48
